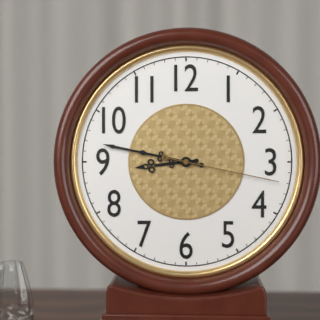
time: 8:47:17
